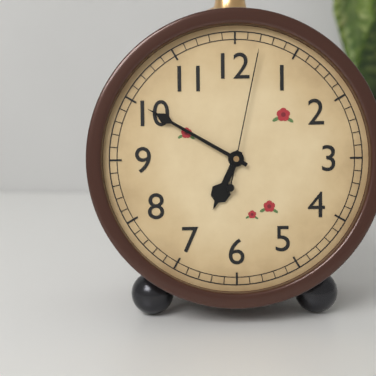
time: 6:50:02
